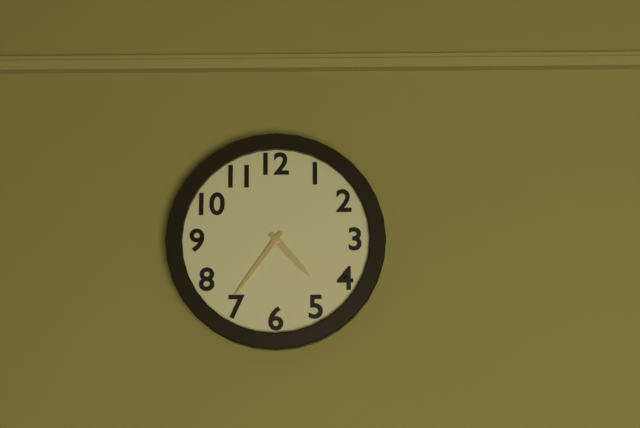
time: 4:36
